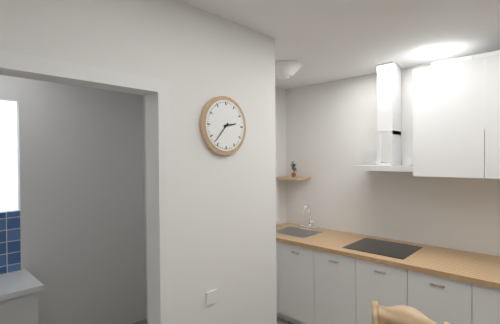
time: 2:37
